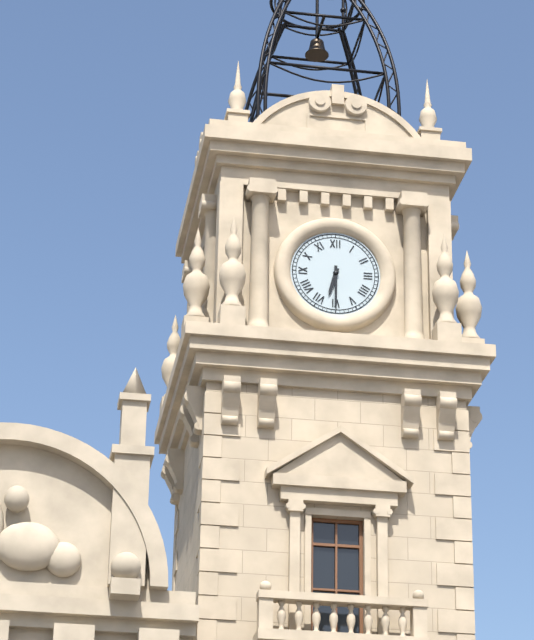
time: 6:30
